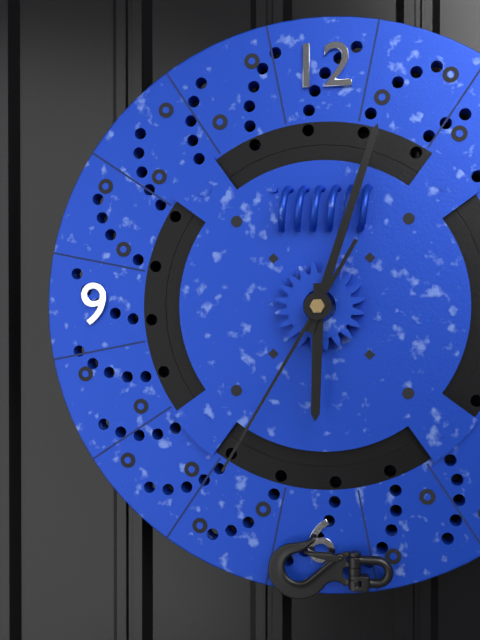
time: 6:03:35
